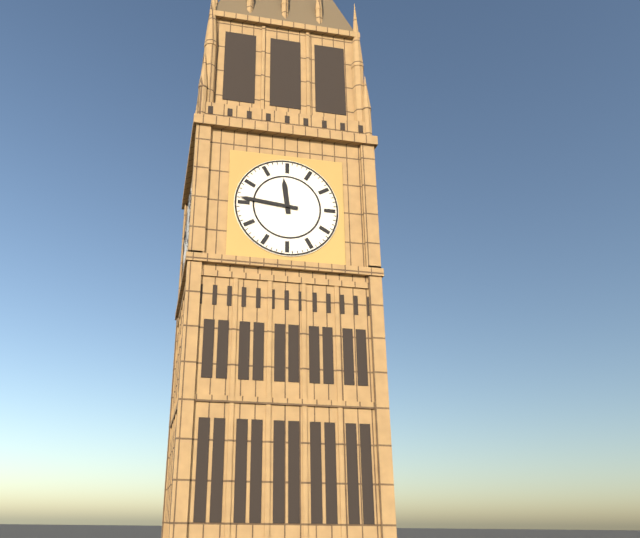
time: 11:46
